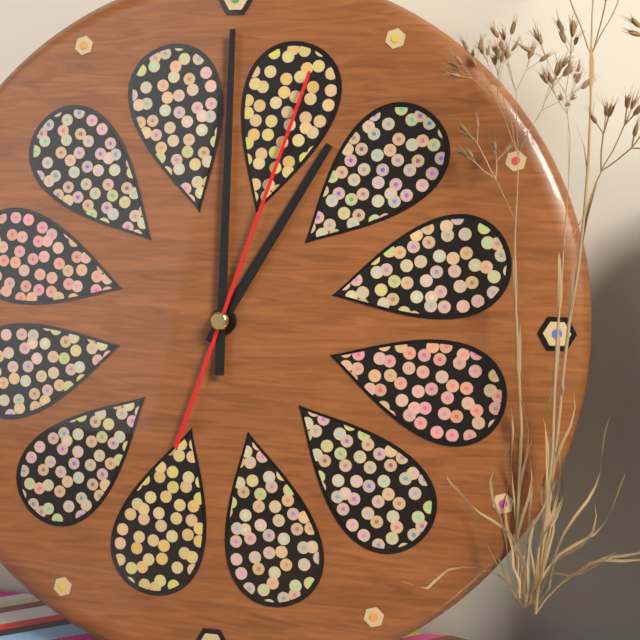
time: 1:00:03
